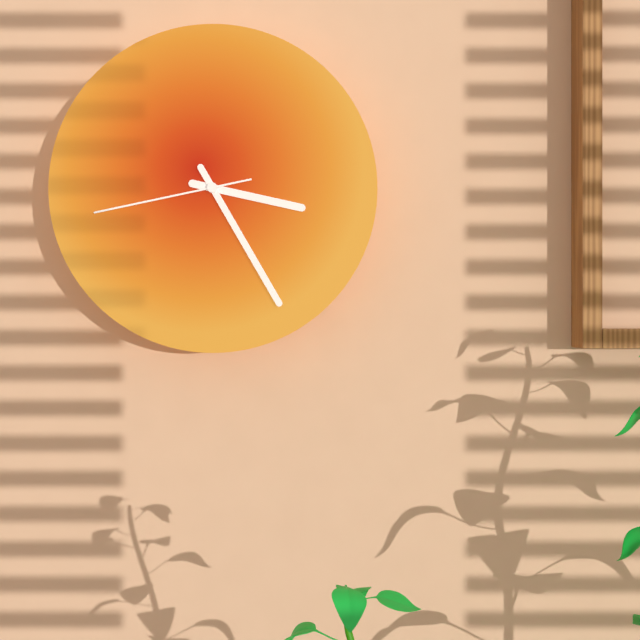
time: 3:25:43
